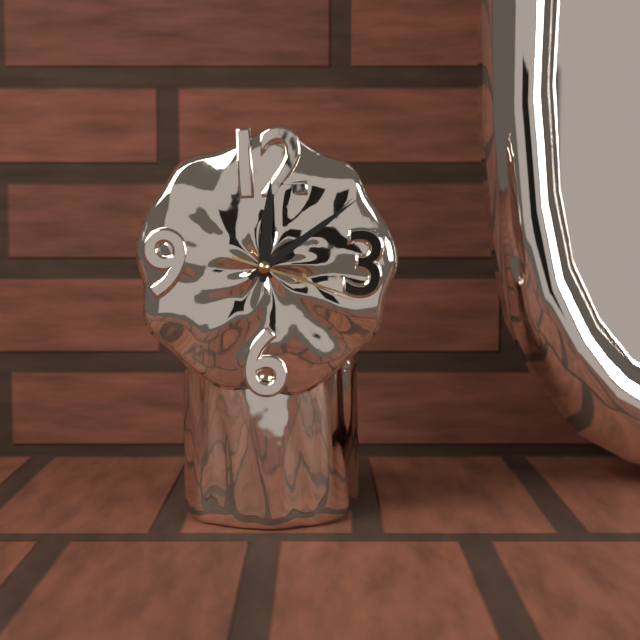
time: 12:09:18
